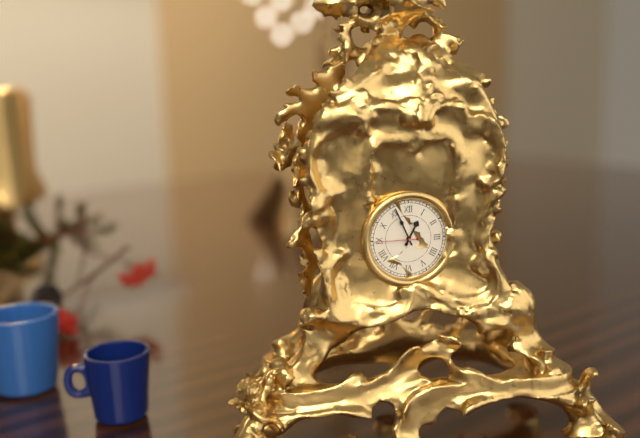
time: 12:56
